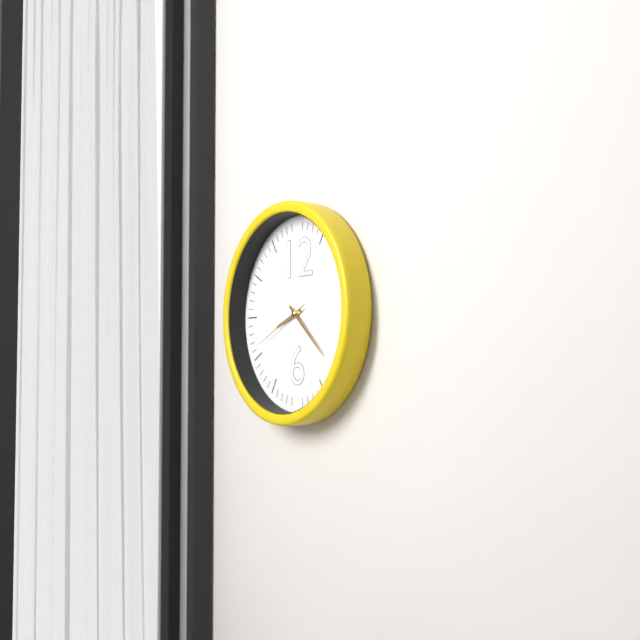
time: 8:22:41
